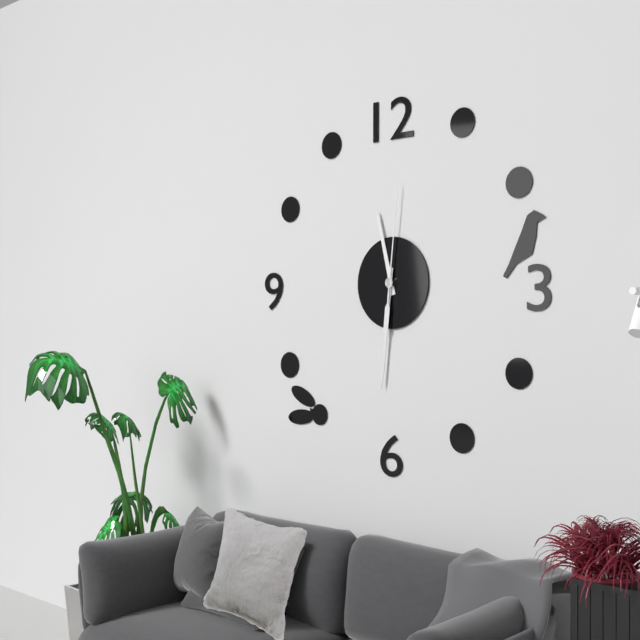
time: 11:31:01
